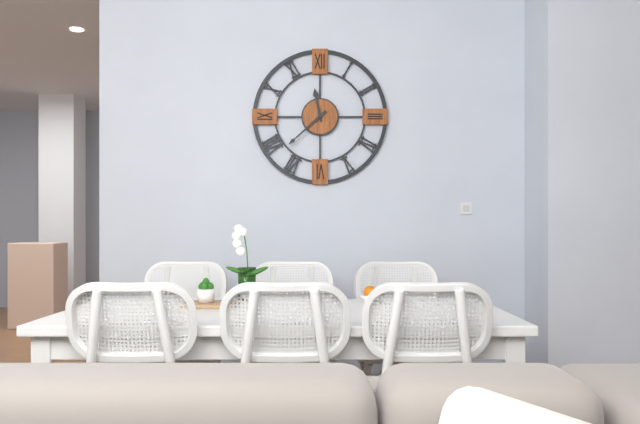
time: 11:38
